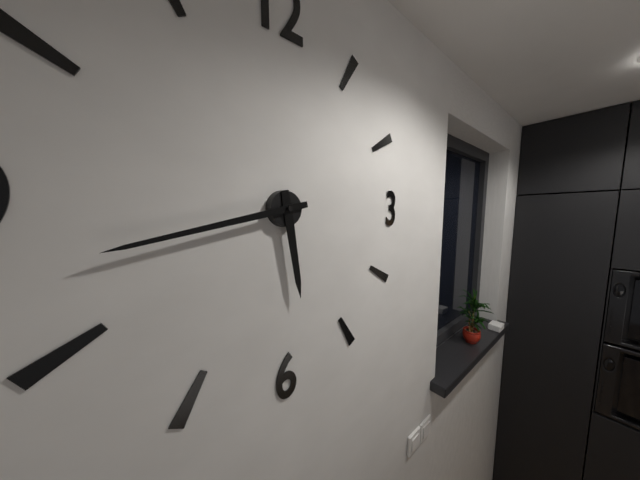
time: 5:43
